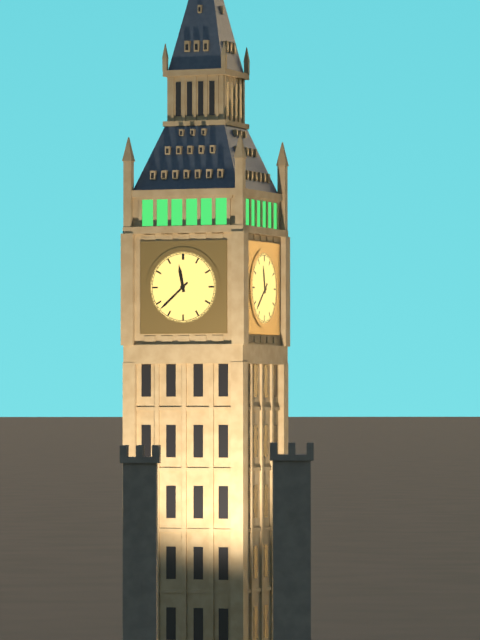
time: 11:38
